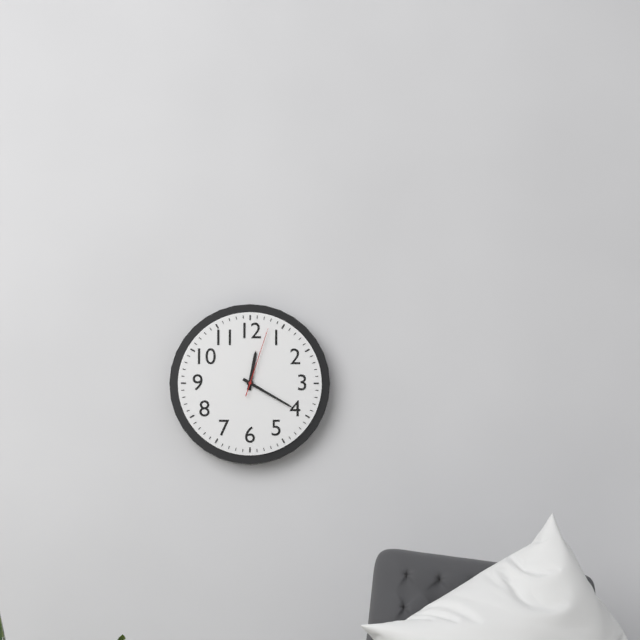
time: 12:20:03
